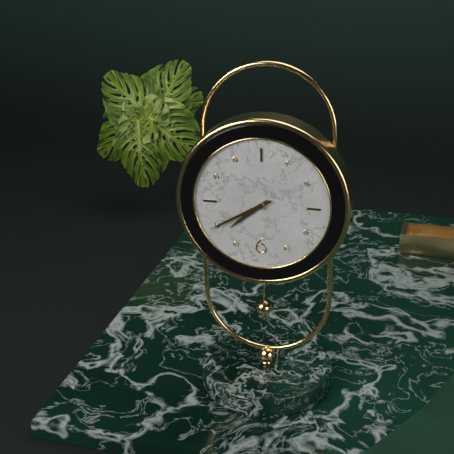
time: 7:40
